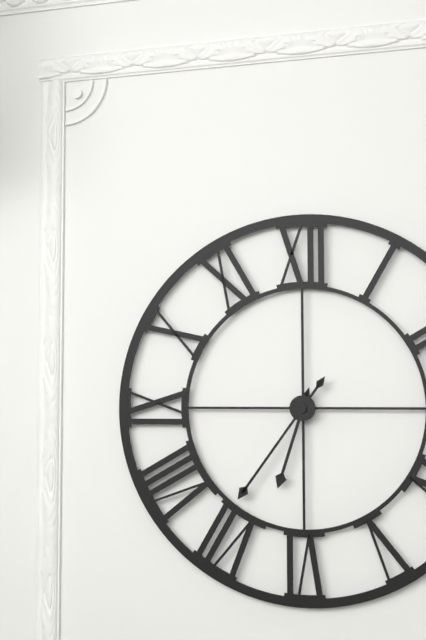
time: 6:36
